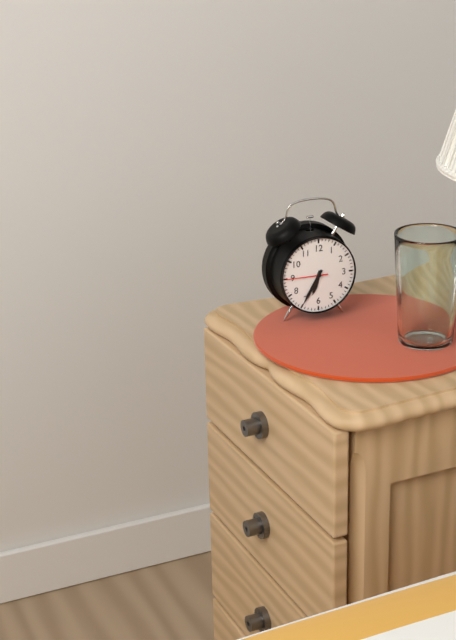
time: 6:35
